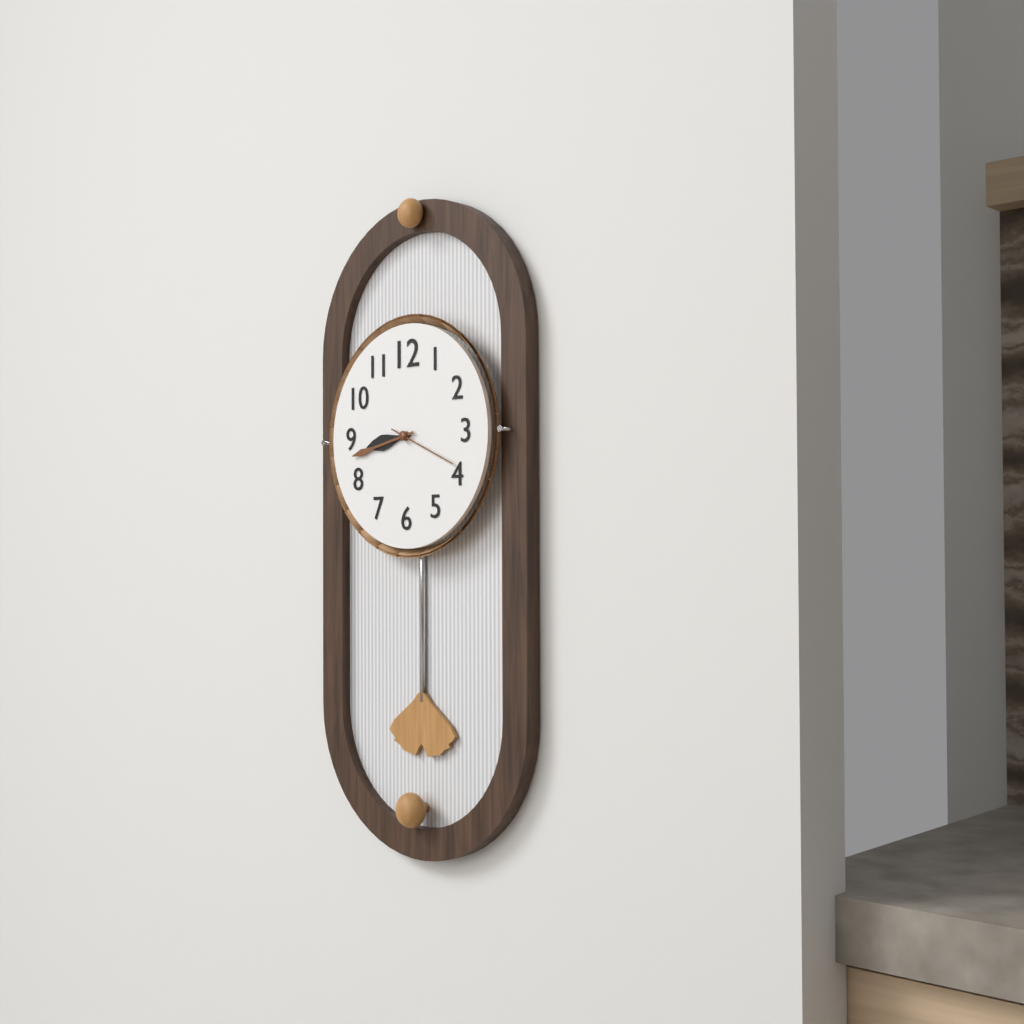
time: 8:43
